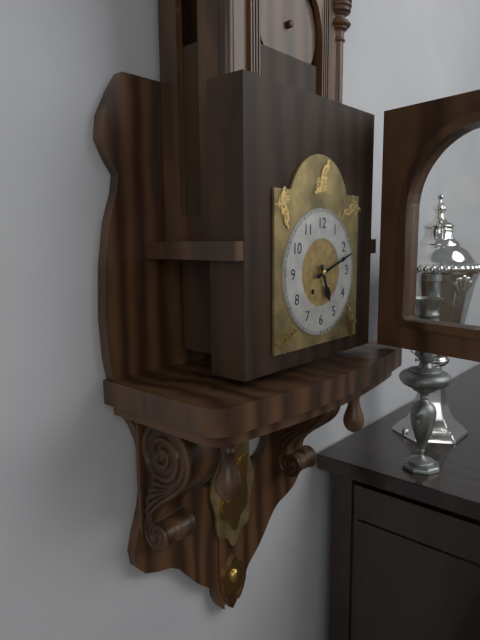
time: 5:12
